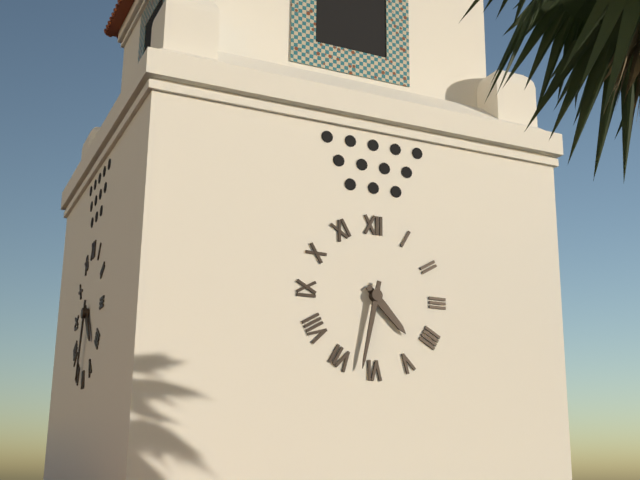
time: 4:32
